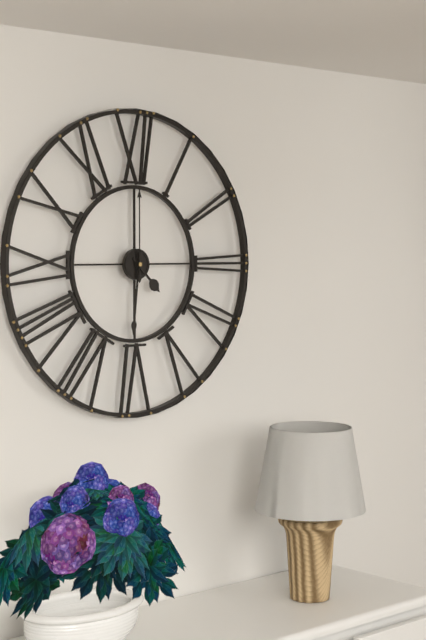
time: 4:31:00
